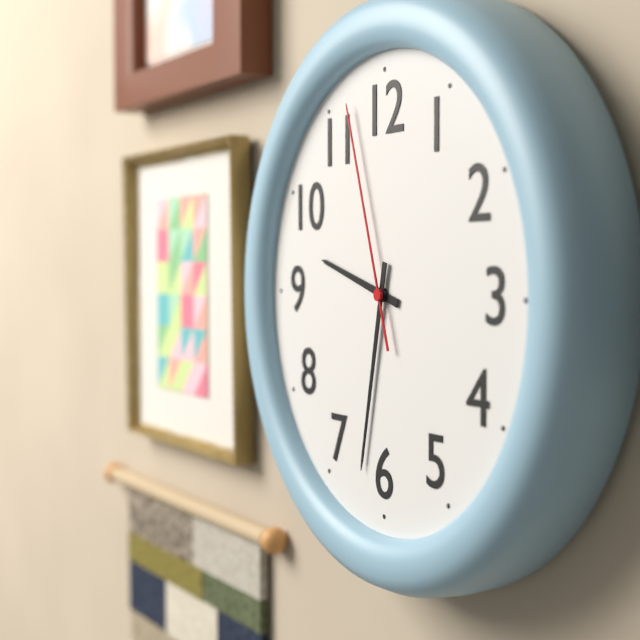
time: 9:32:57
